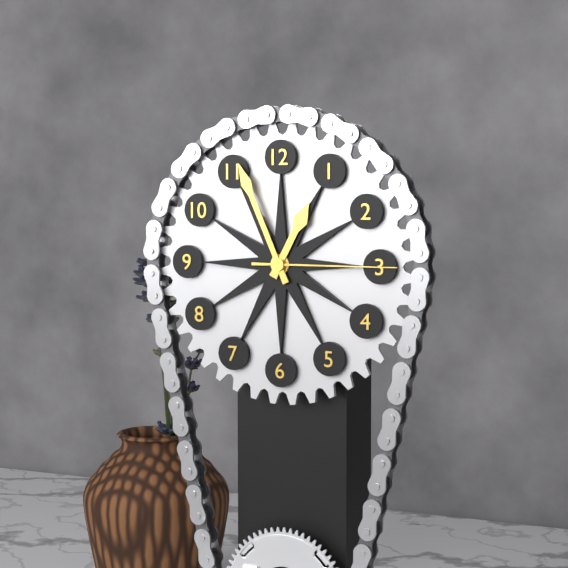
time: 12:56:15
